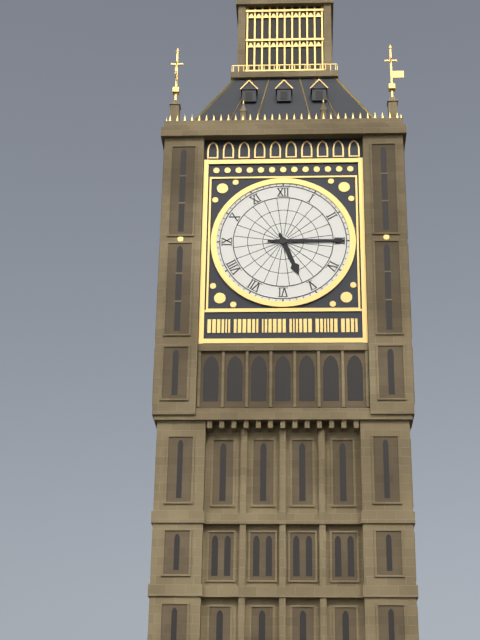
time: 5:15
